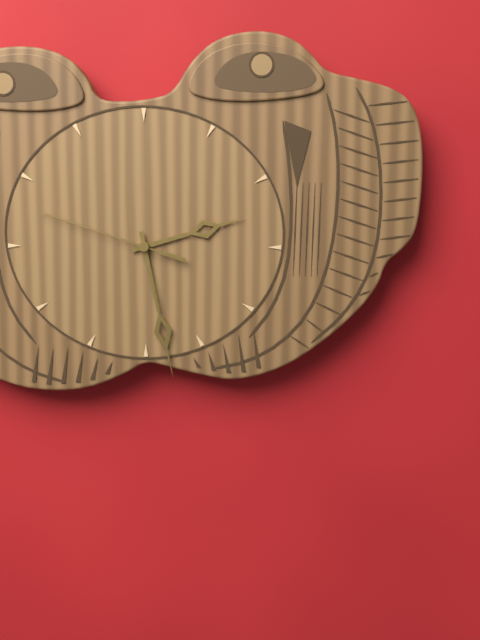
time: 2:28:48
